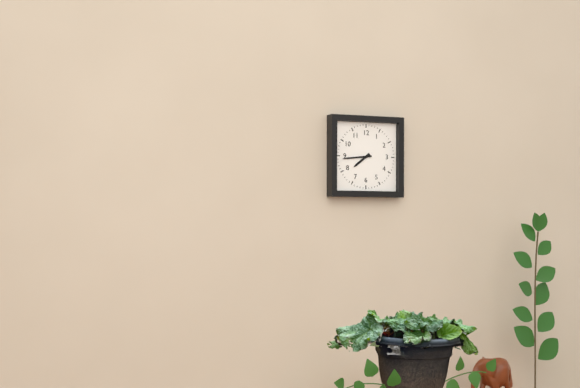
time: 7:44
